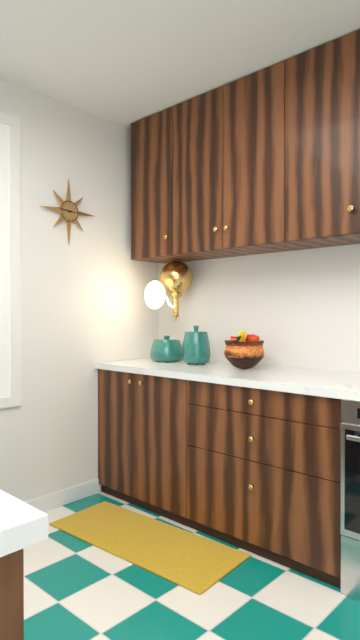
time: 9:15
